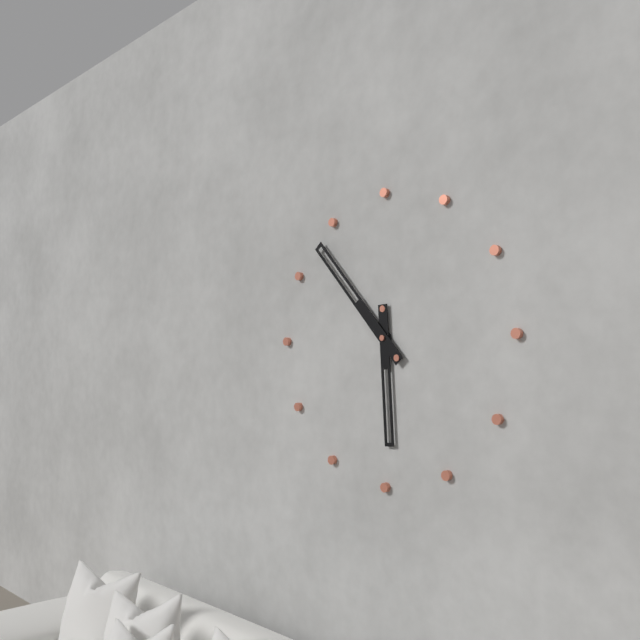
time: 5:53
